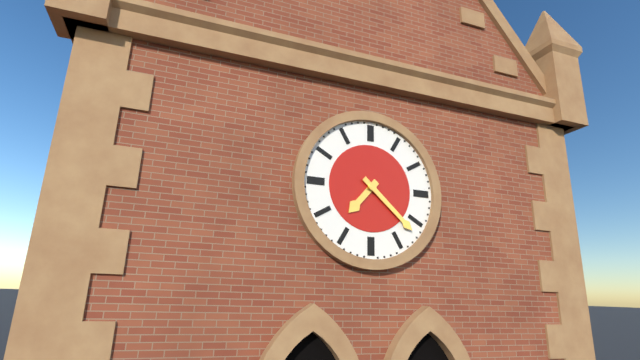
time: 7:22
